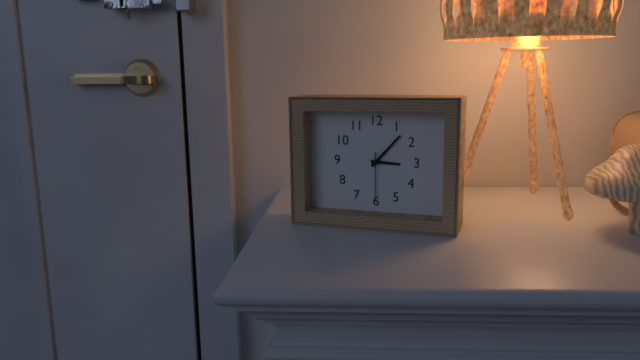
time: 3:07
